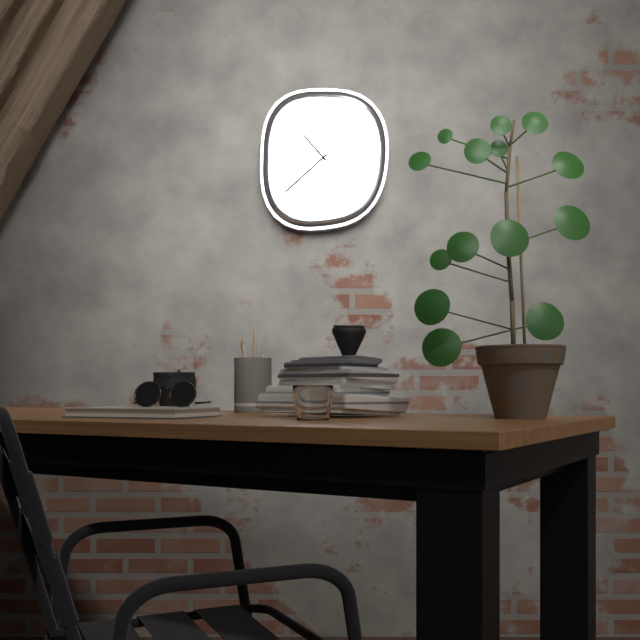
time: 10:38
